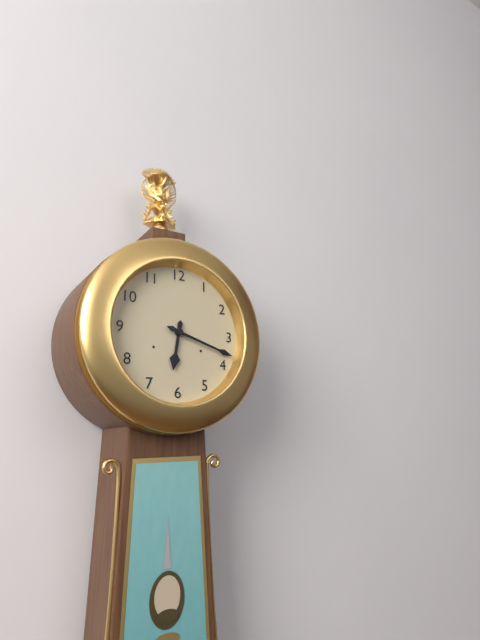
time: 6:18
